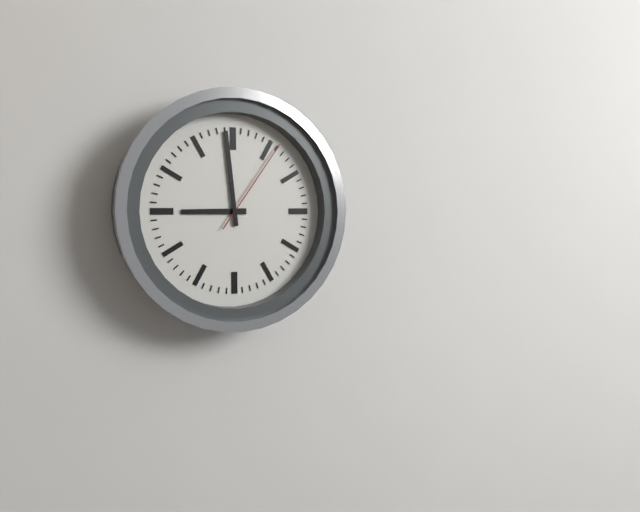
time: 8:59:06
